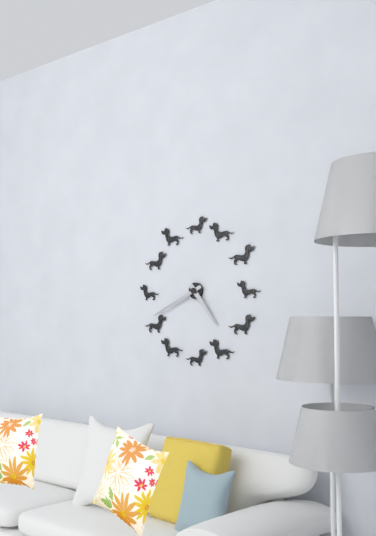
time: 4:41
